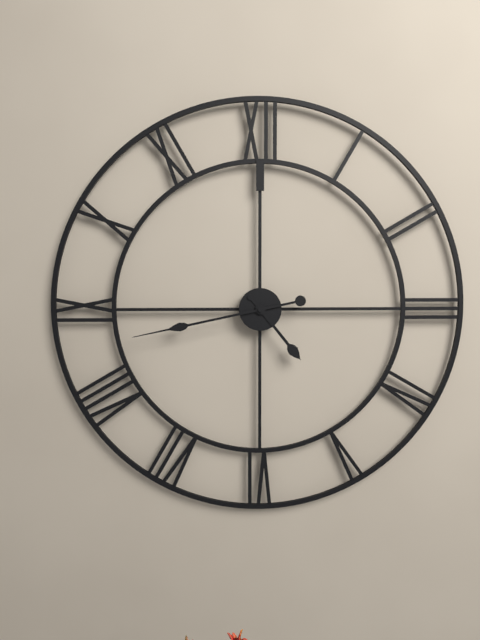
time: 4:43
